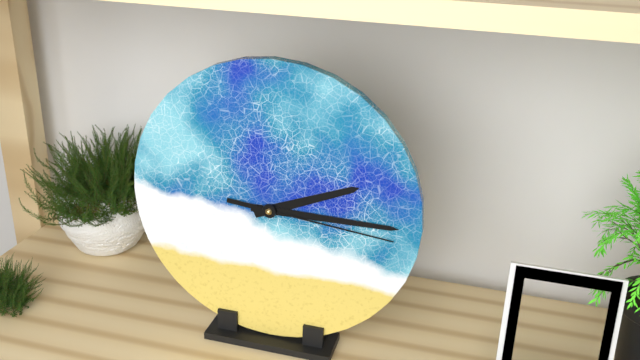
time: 2:15:16
